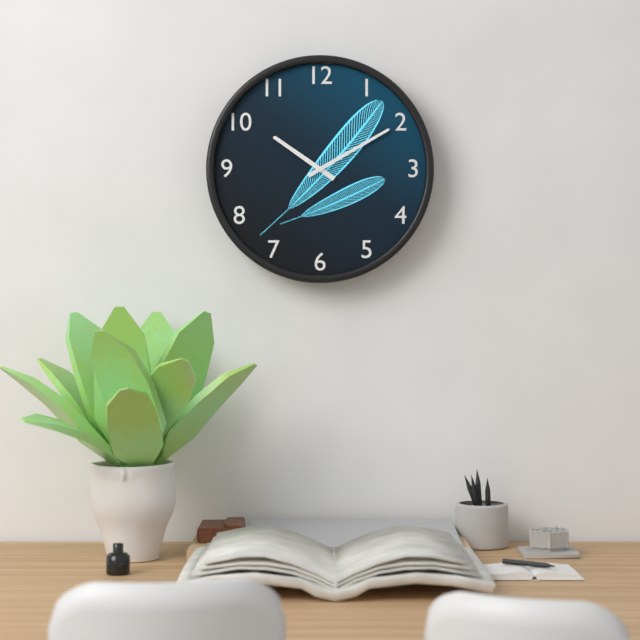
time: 10:10
